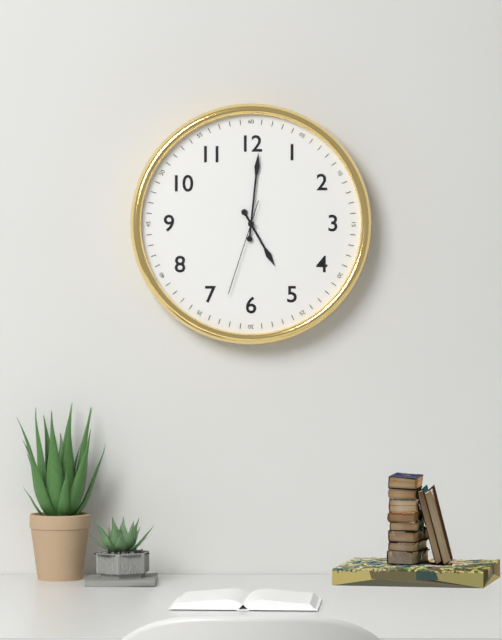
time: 5:01:33
